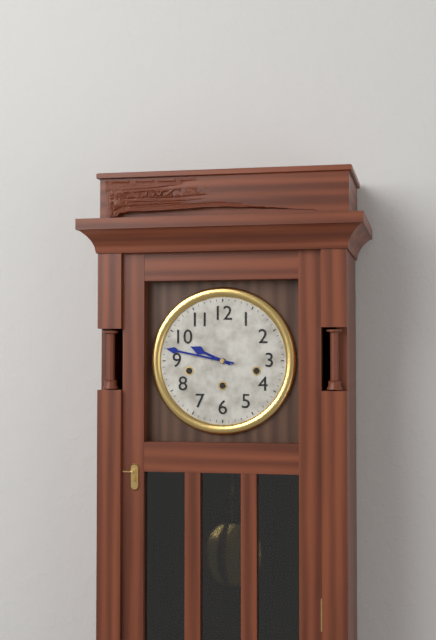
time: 9:47
